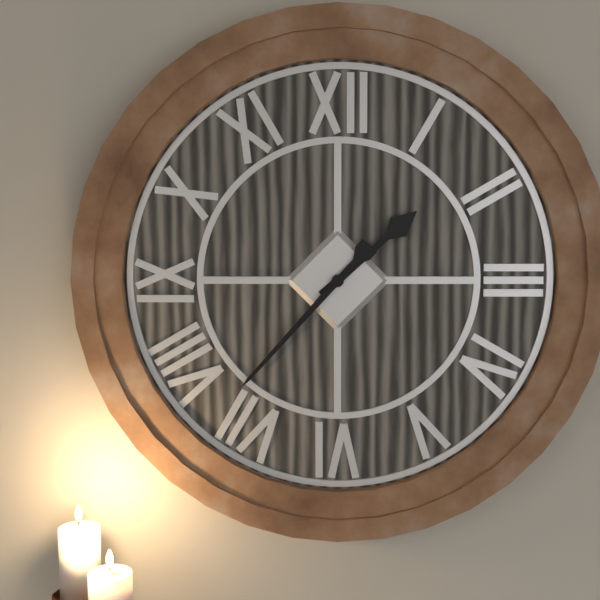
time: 1:37
